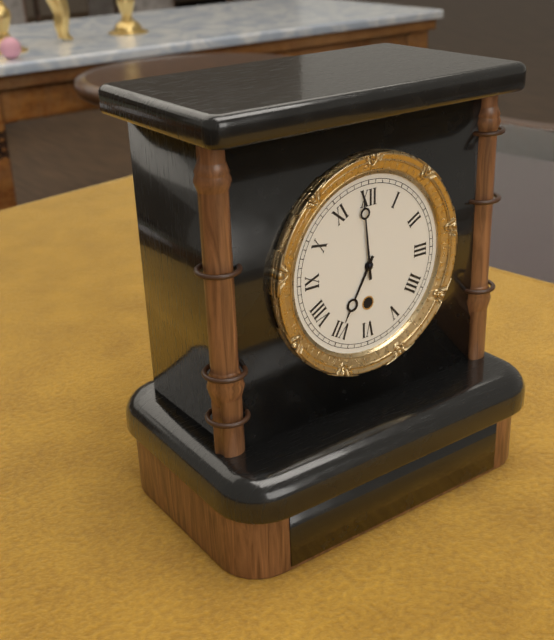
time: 6:59
